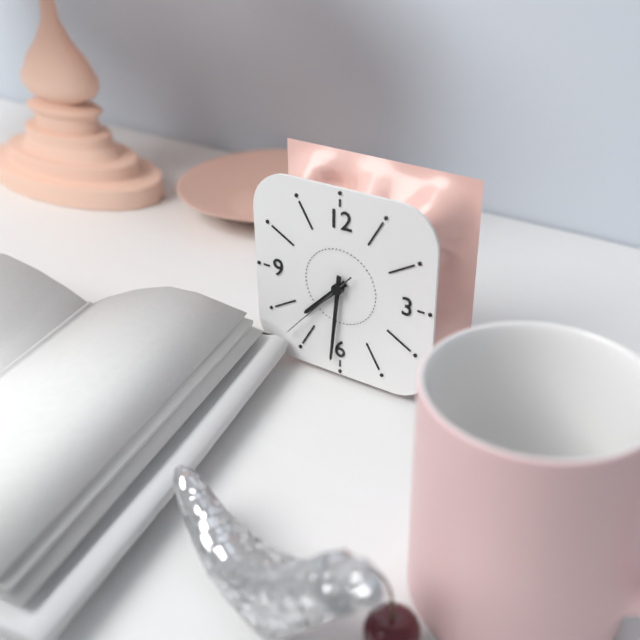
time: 7:31:37
